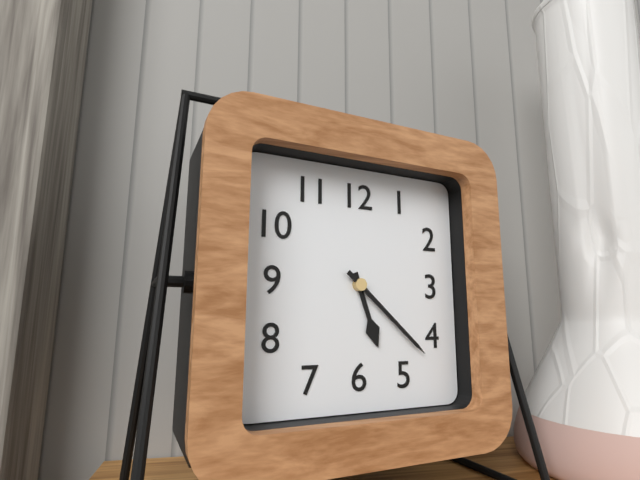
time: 5:22
